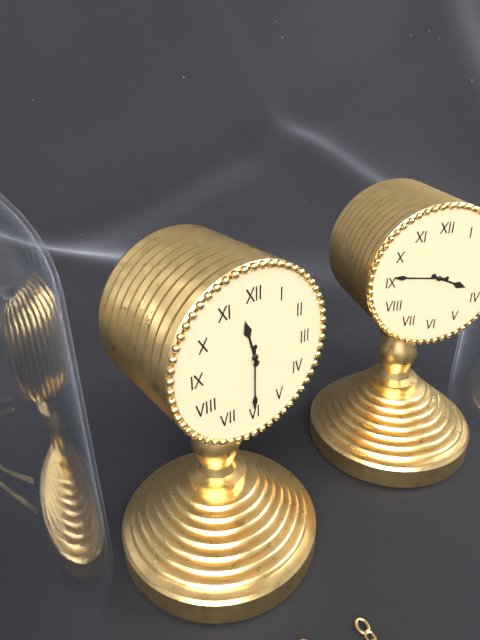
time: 11:30
